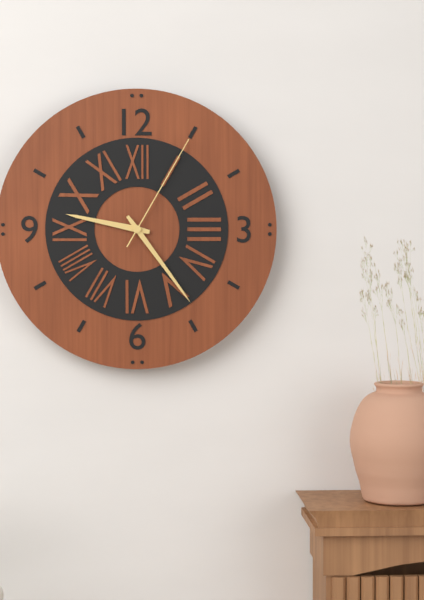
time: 9:24:05
